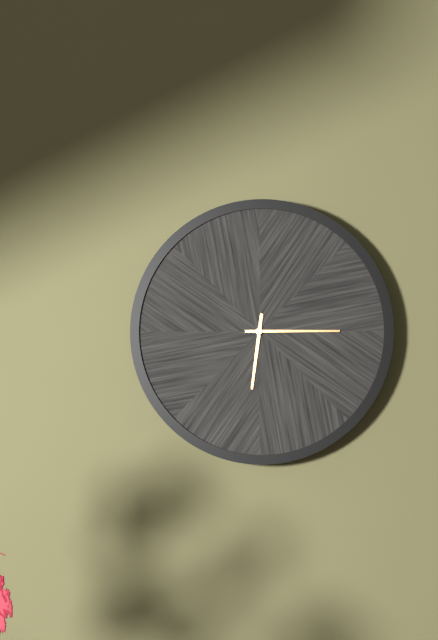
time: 6:15
